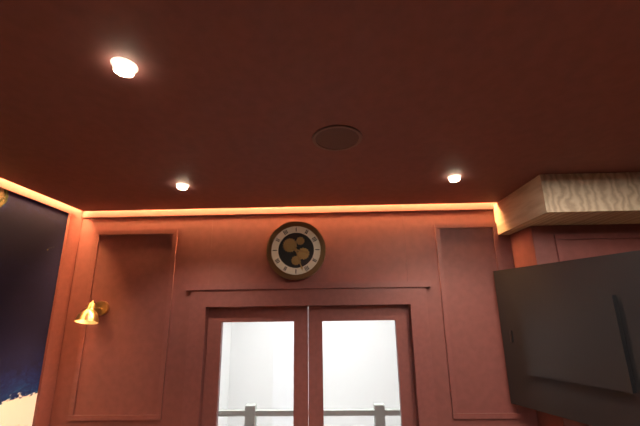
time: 3:27
